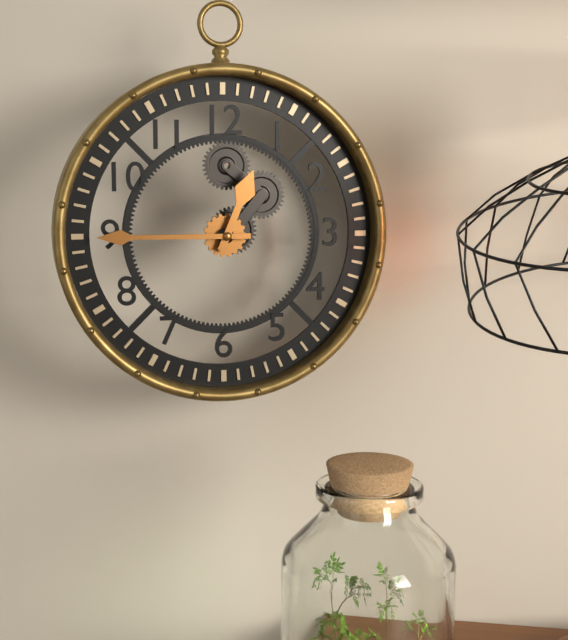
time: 12:45
